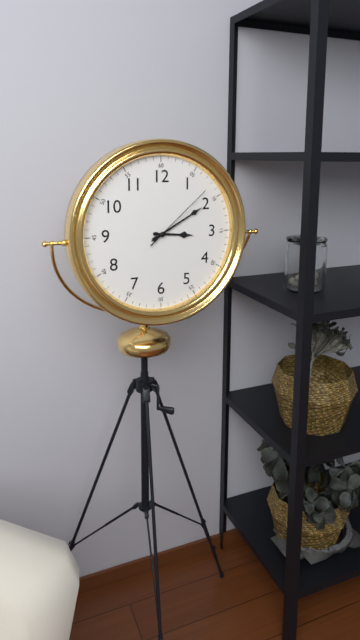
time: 3:10:08
